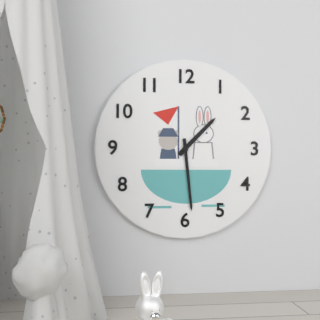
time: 1:29
